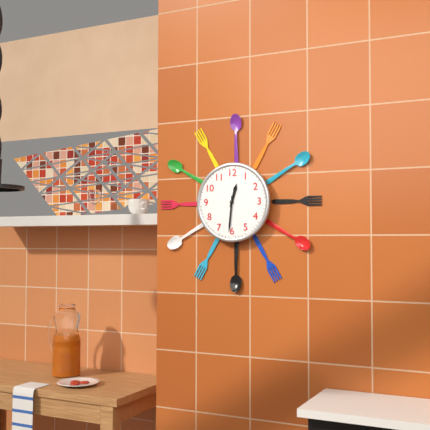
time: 12:31
